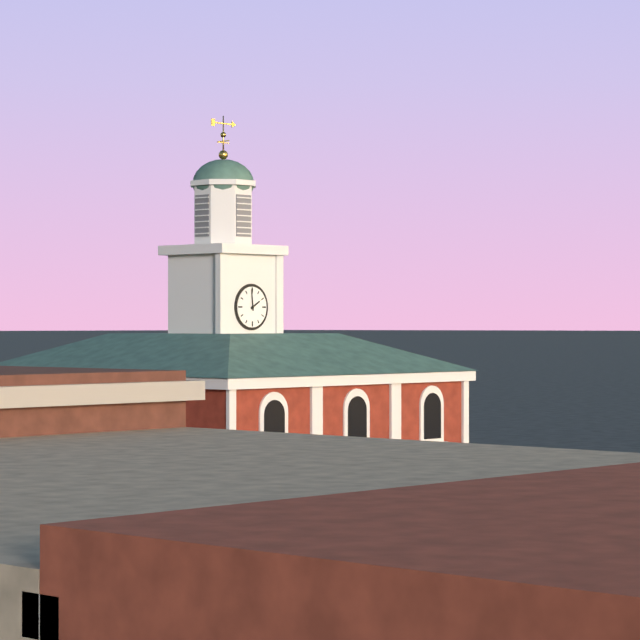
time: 1:59
